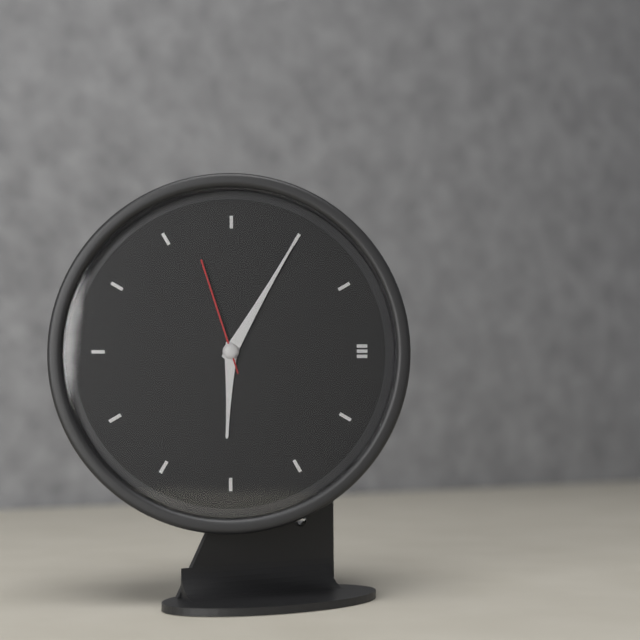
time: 6:05:57
